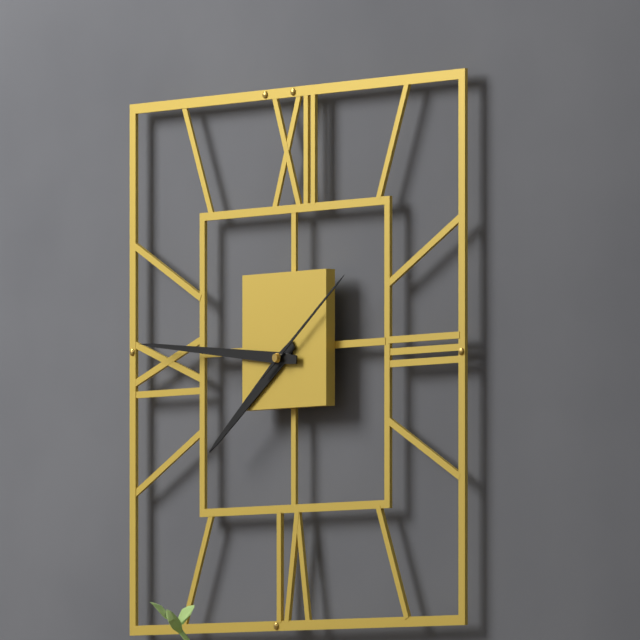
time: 7:46:09
